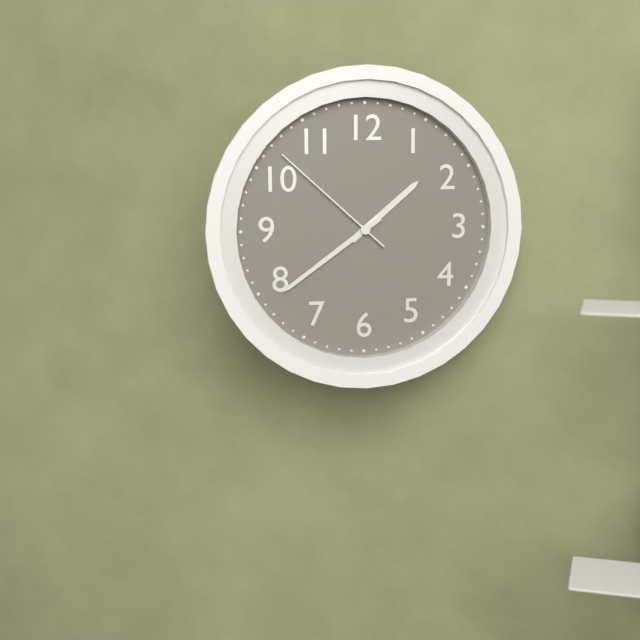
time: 1:39:52
